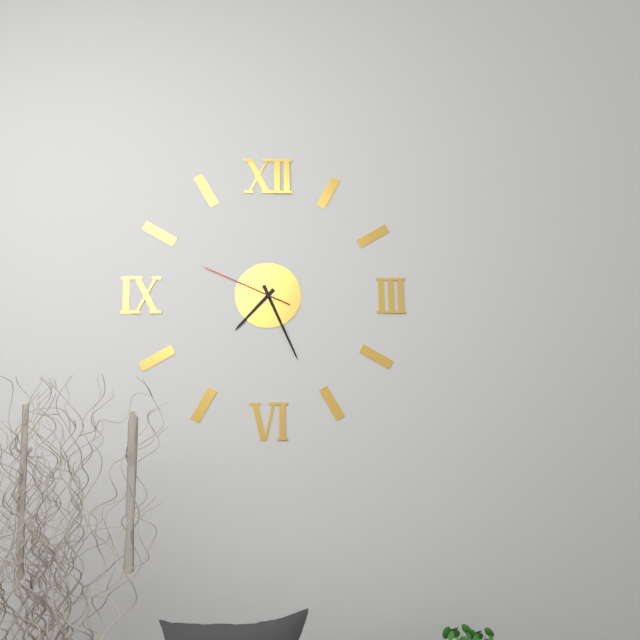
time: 7:26:49
